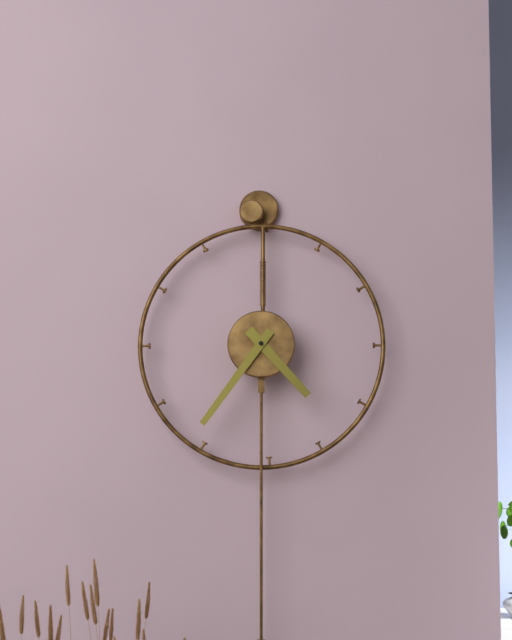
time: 4:36
